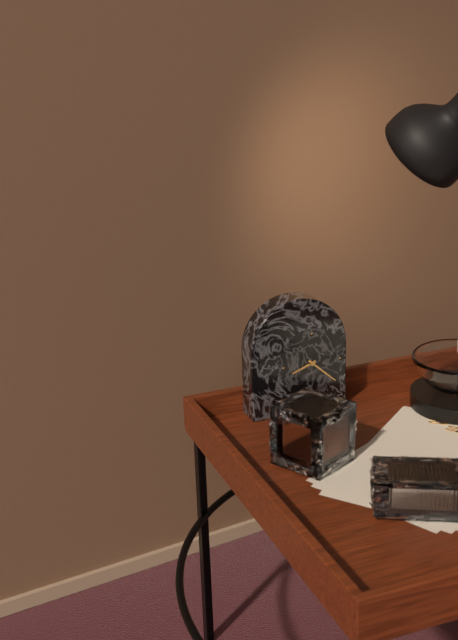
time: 8:22
